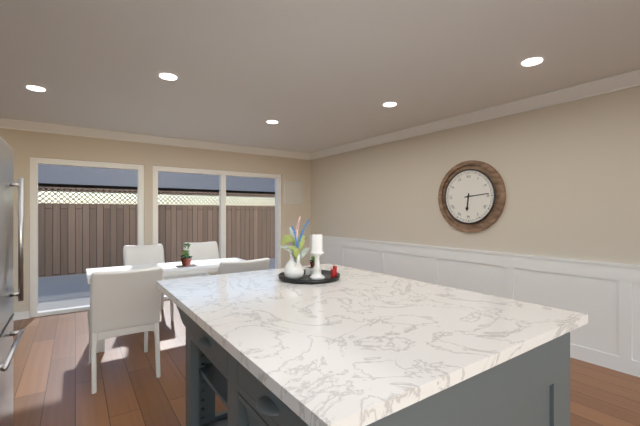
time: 6:14
